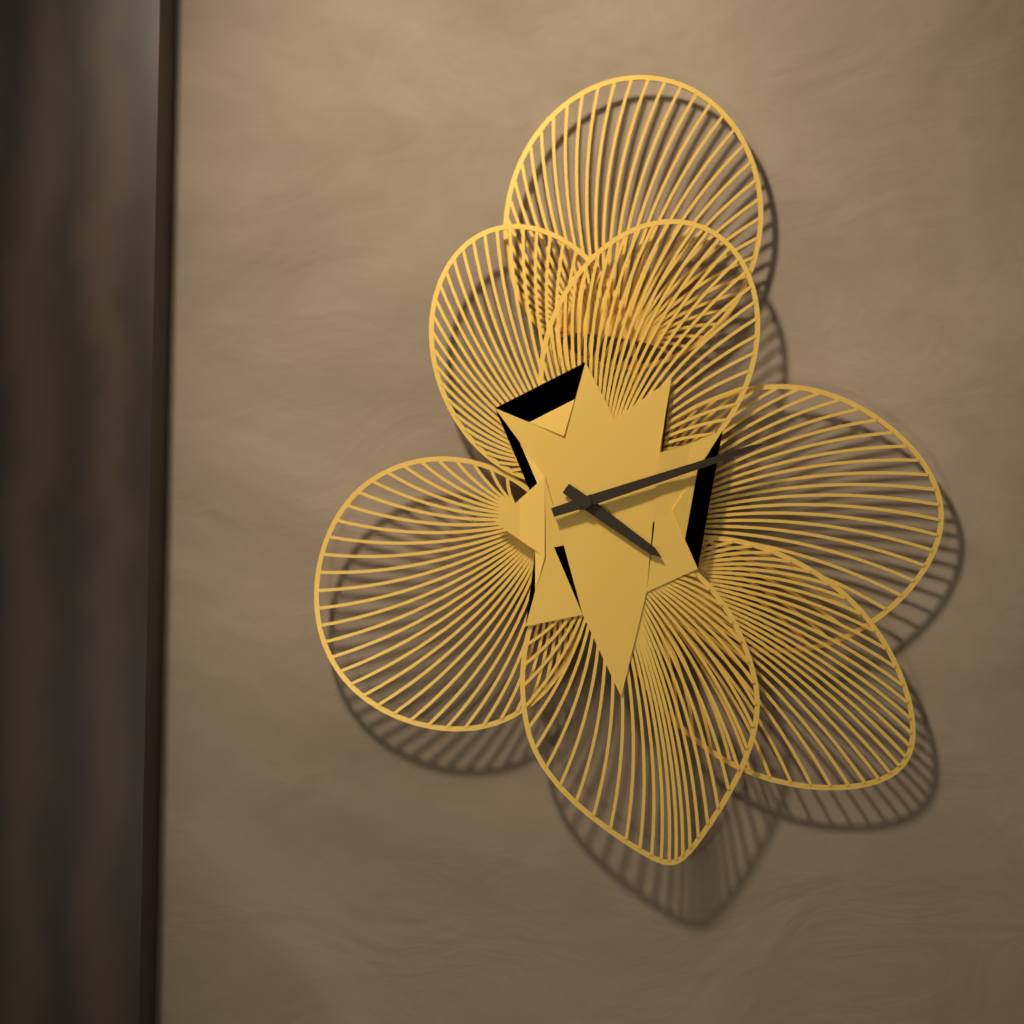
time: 4:12
